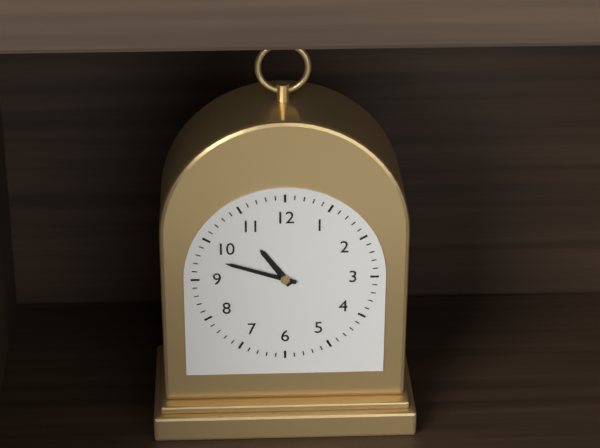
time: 10:48
